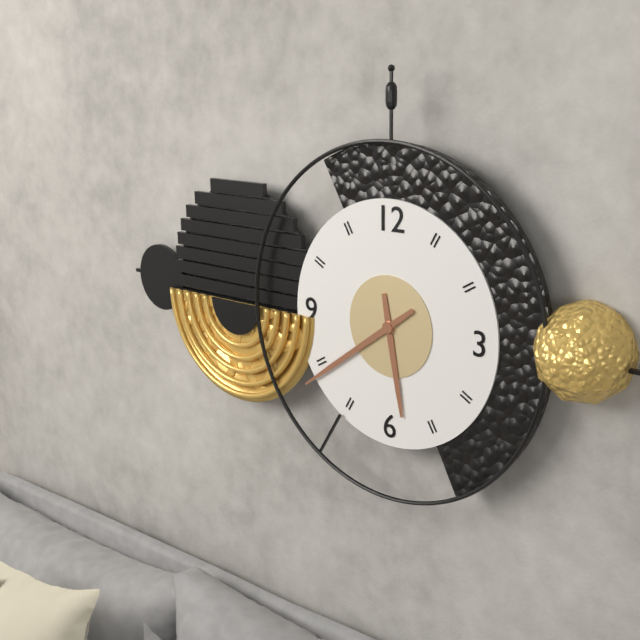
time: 5:39
